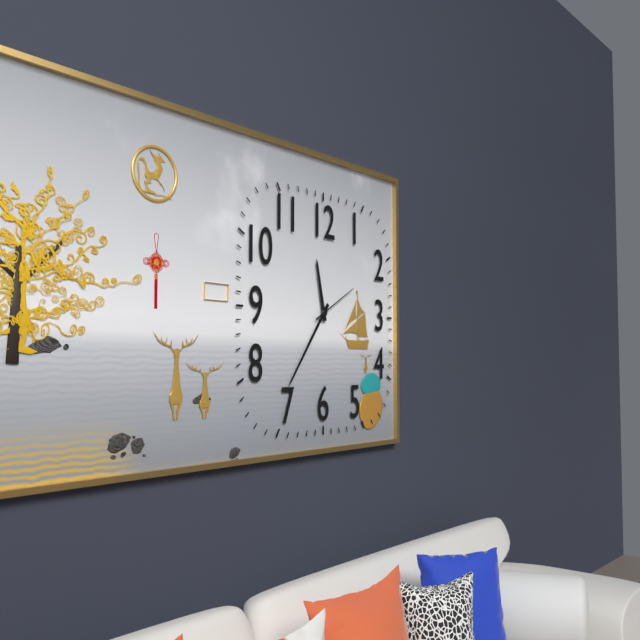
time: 11:36
